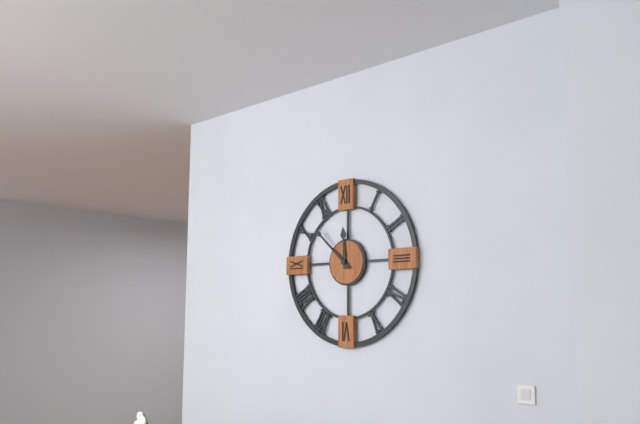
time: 11:52
